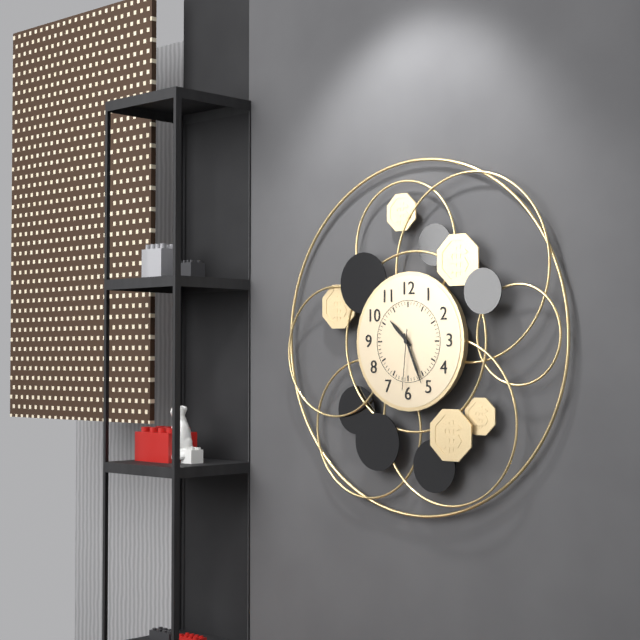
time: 10:26:31
